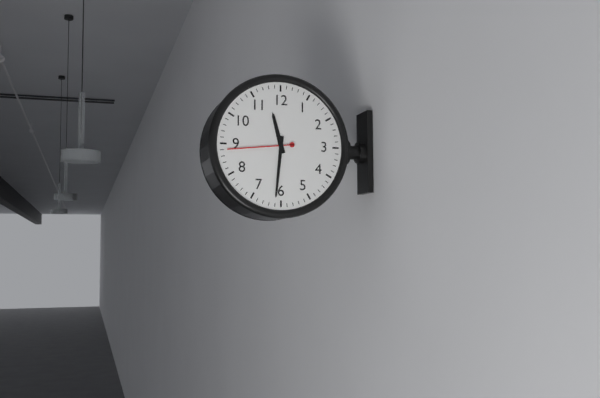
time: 11:31:44
